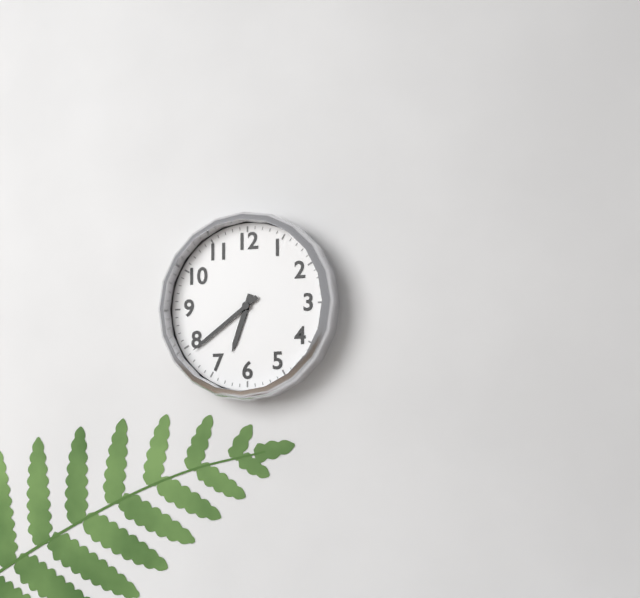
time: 6:39
